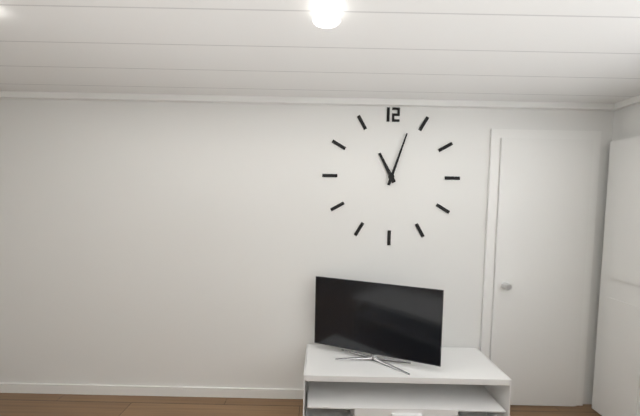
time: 11:03
